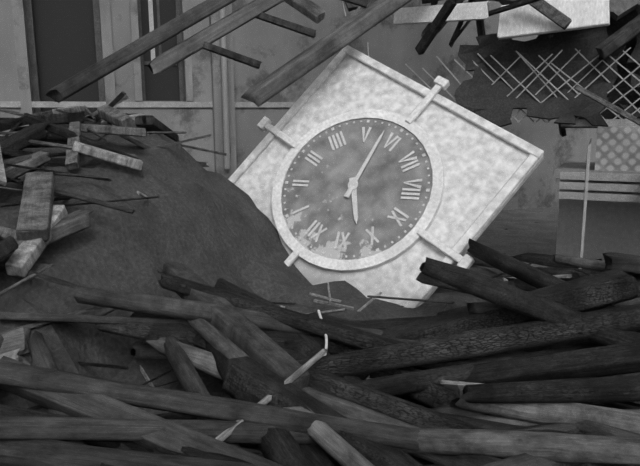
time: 10:28
